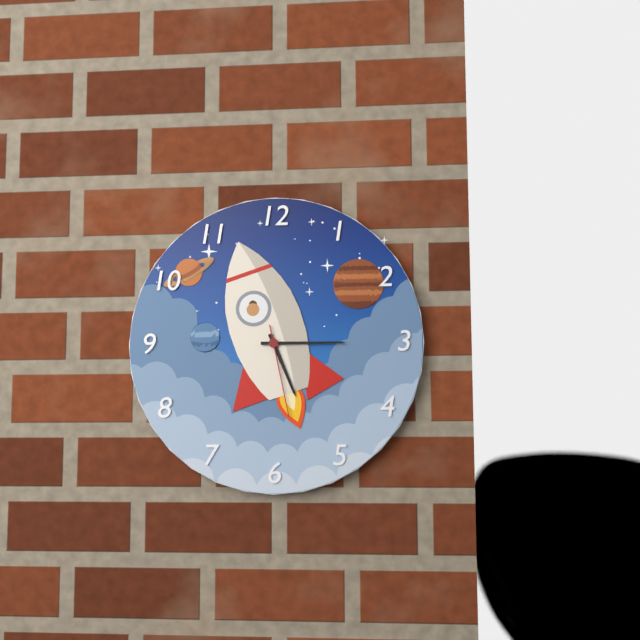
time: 5:15:28
